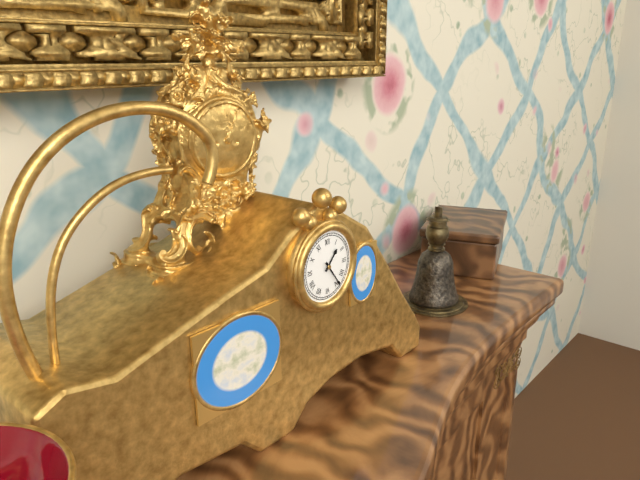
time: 1:24
